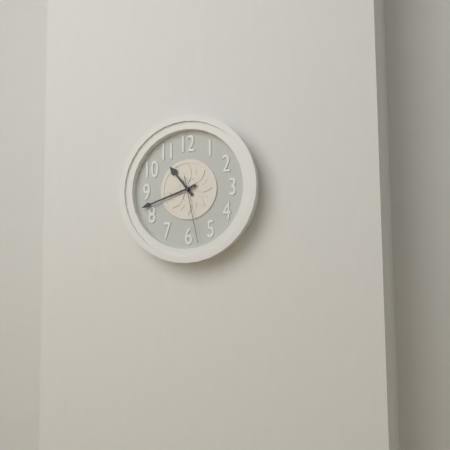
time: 10:42:28
